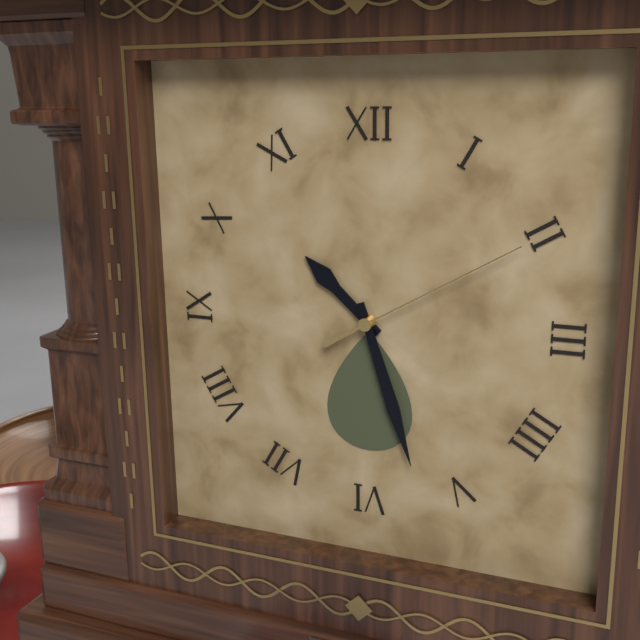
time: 10:27:10
